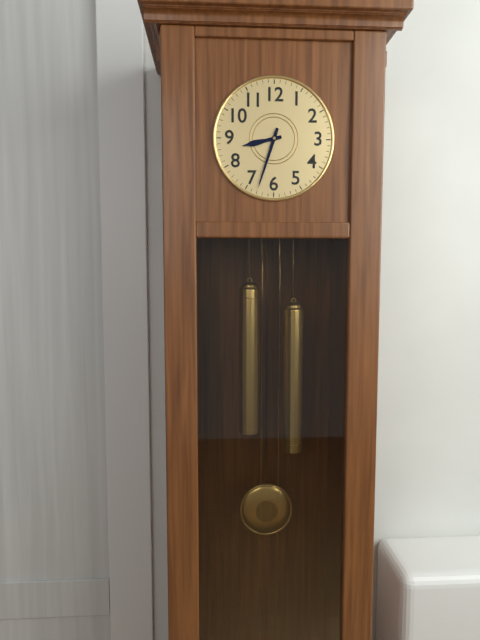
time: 8:33
